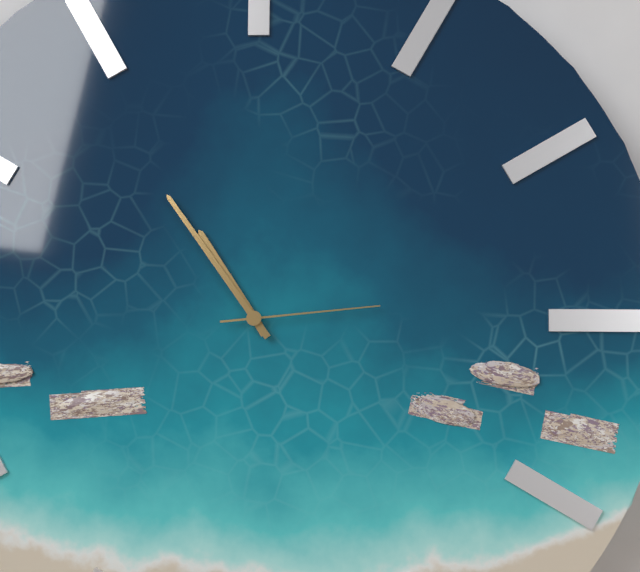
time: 10:54:14
